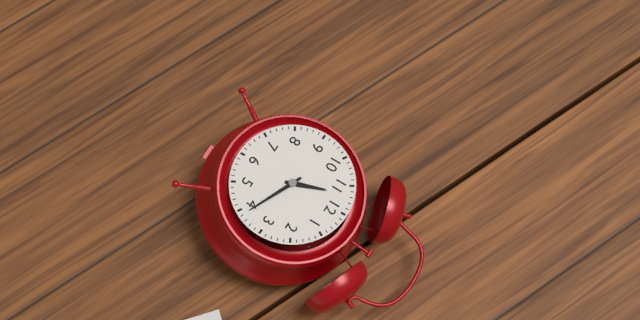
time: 11:19
